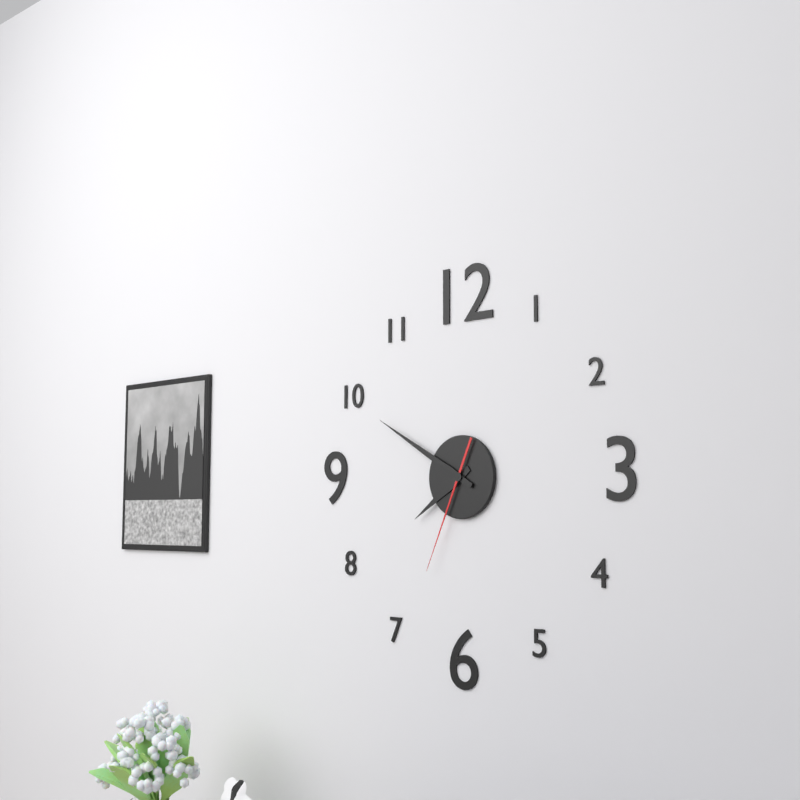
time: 7:50:34
